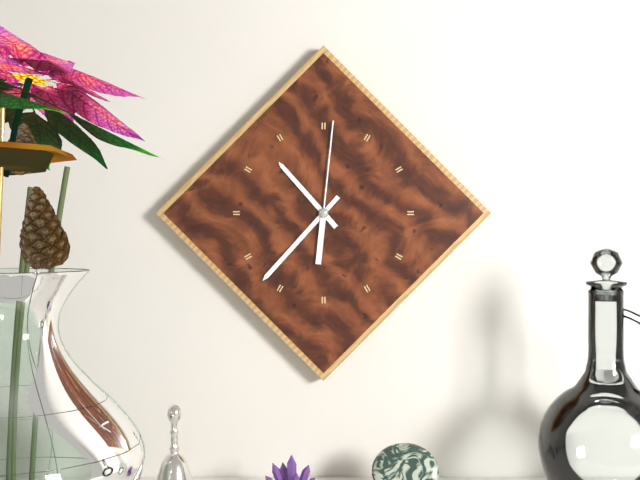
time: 10:37:01
